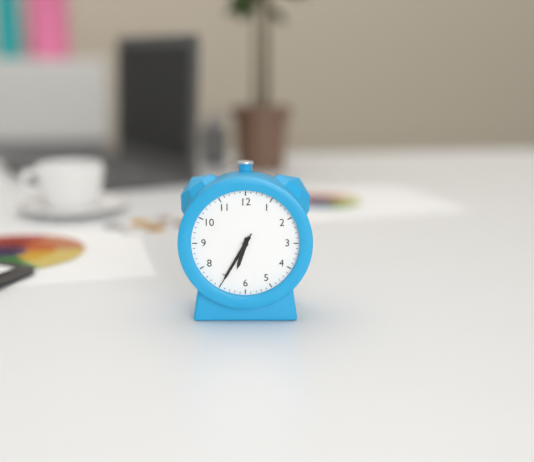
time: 6:35:35
